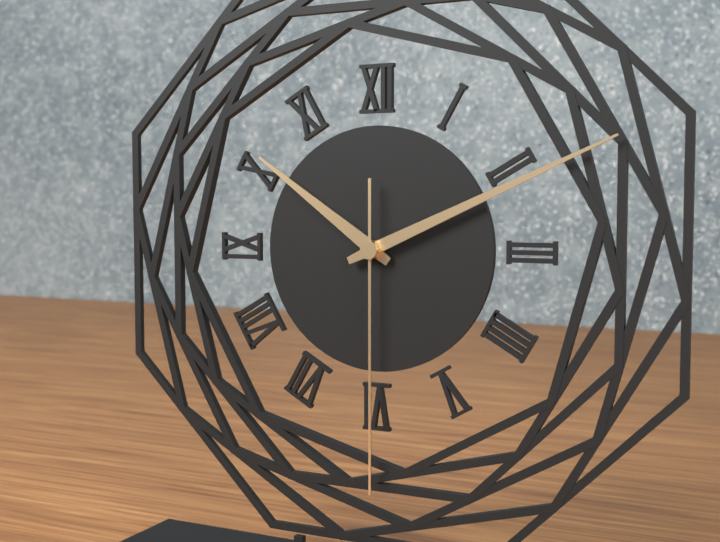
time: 10:11:30
